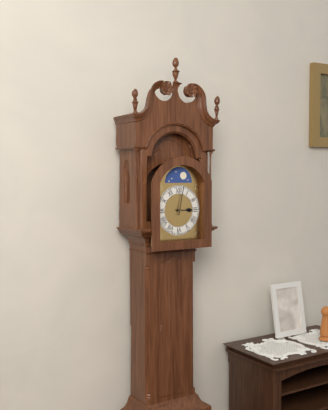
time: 3:02
